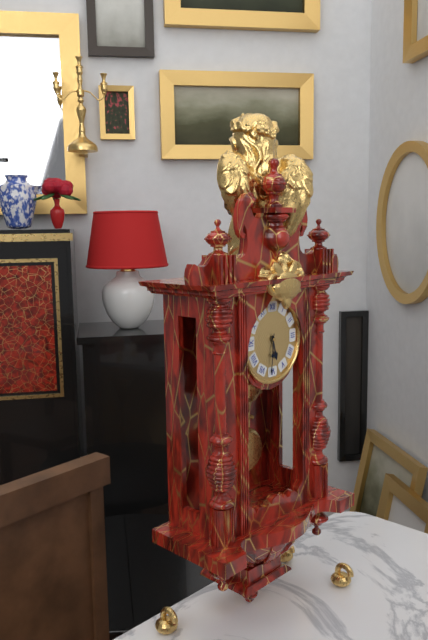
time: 5:31
